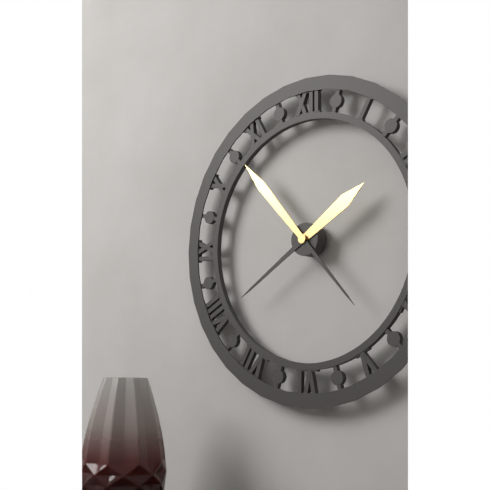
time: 1:53
